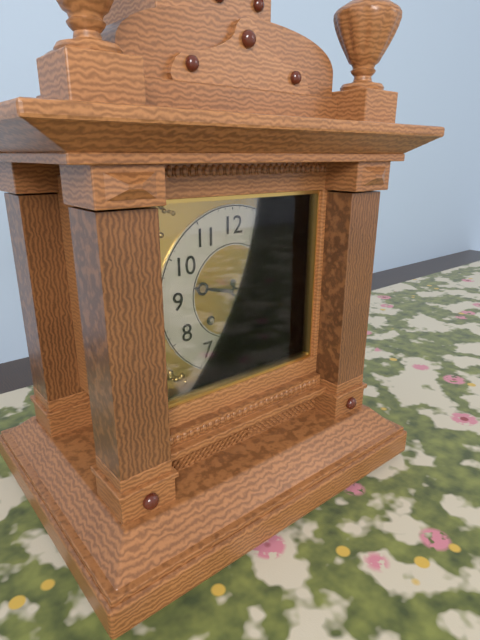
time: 9:27
